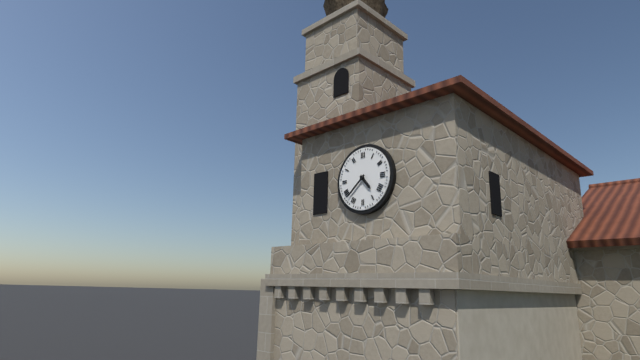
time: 4:38
